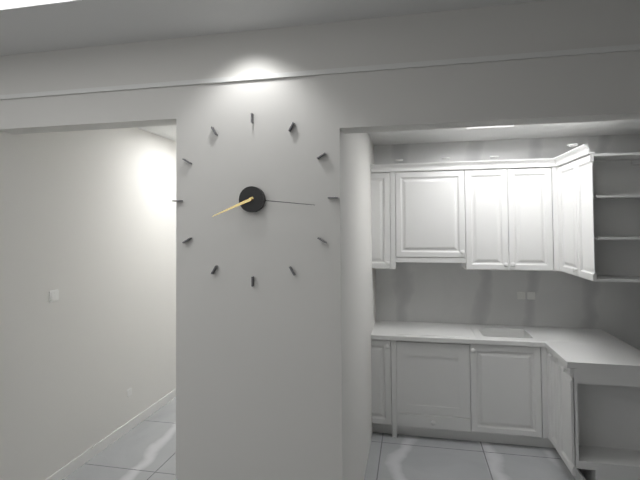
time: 8:16
